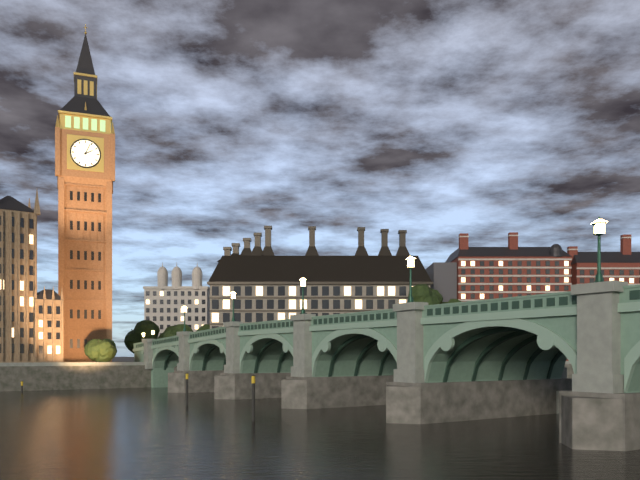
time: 2:04
